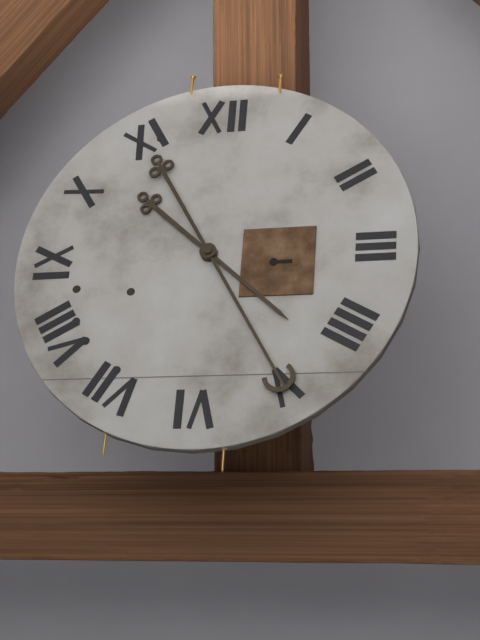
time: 4:25
